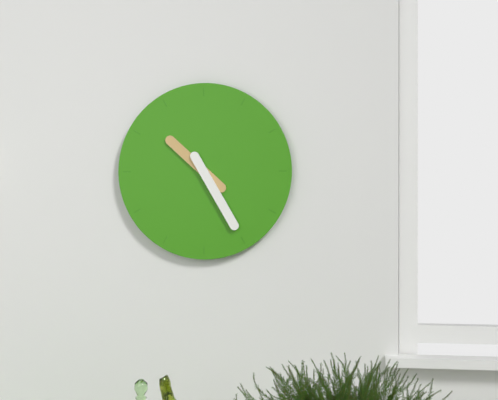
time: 10:25
